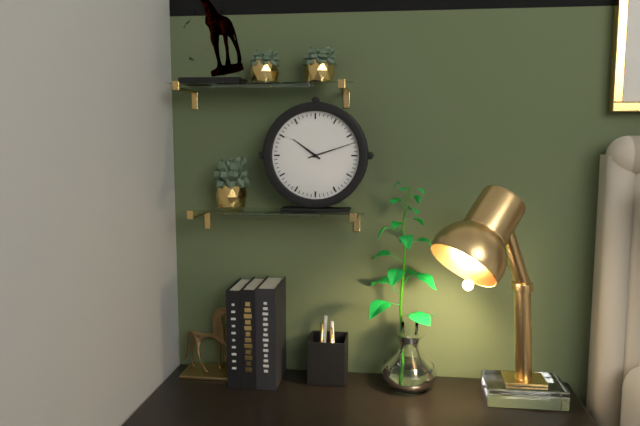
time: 10:12
